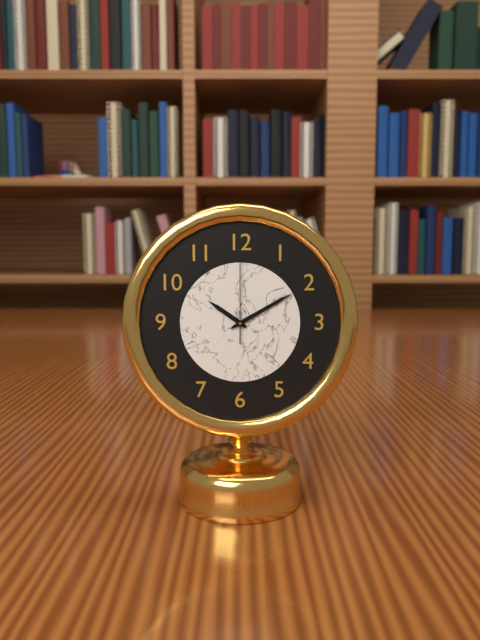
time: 10:10:00
